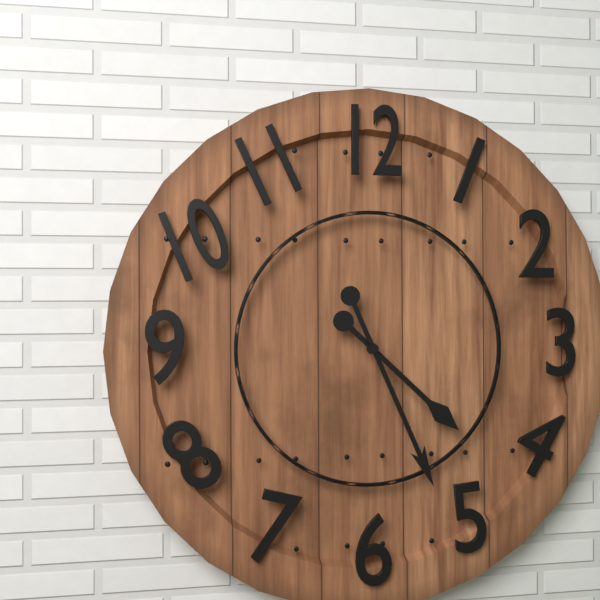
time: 4:26
